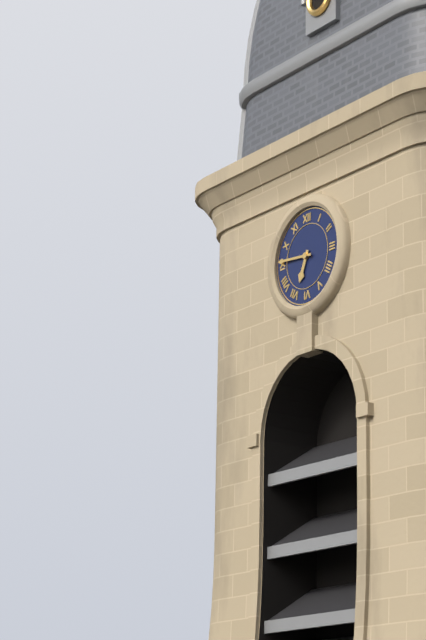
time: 6:46
